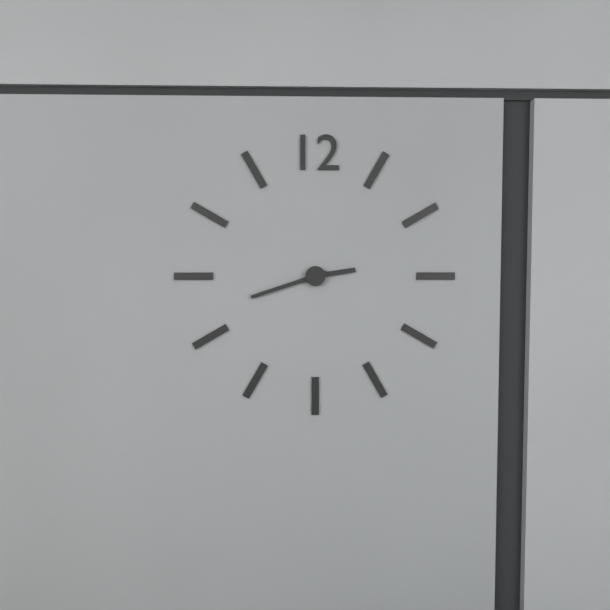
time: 2:42
